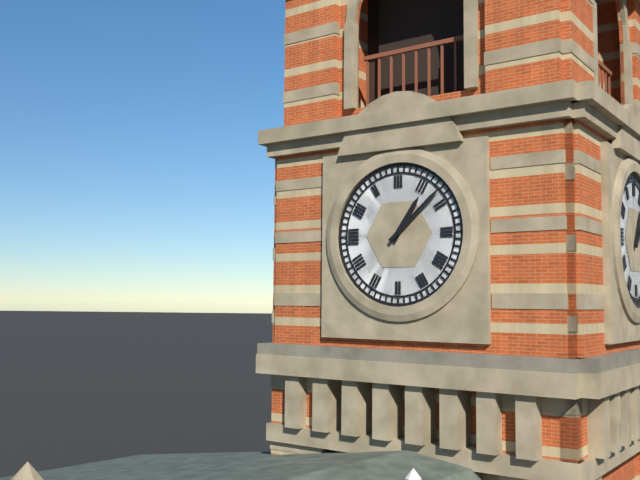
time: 1:08
